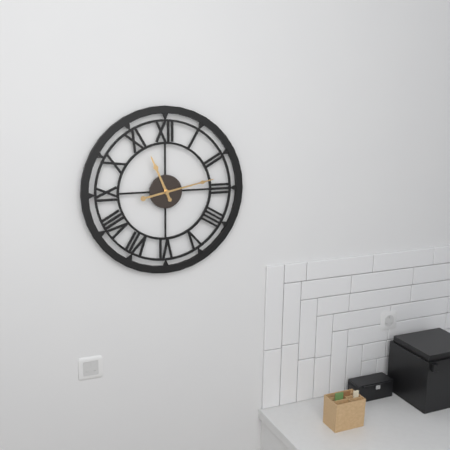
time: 11:13
